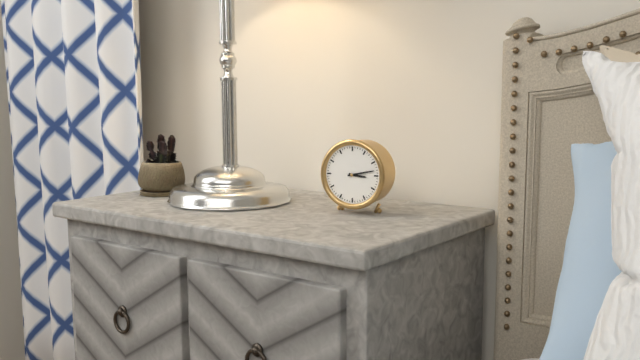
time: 3:13
